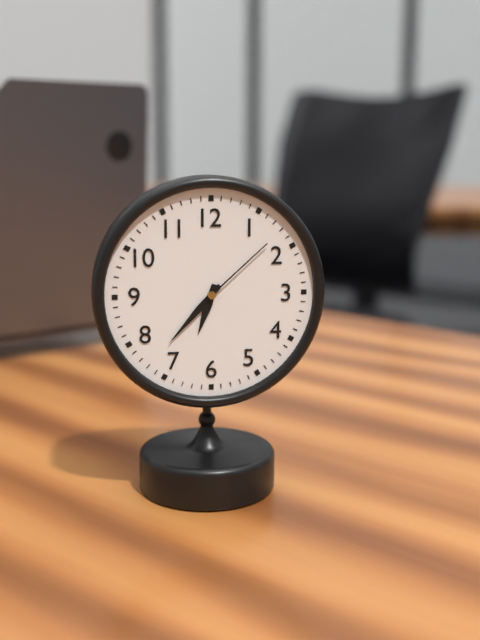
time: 6:37:08
